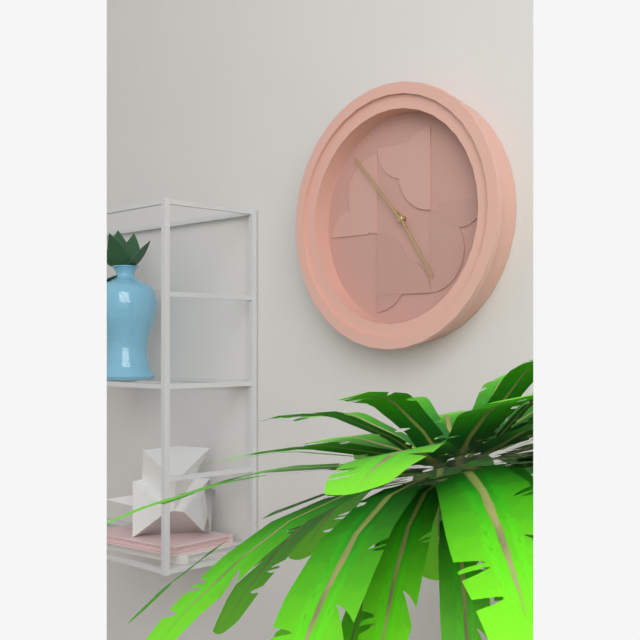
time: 4:53
